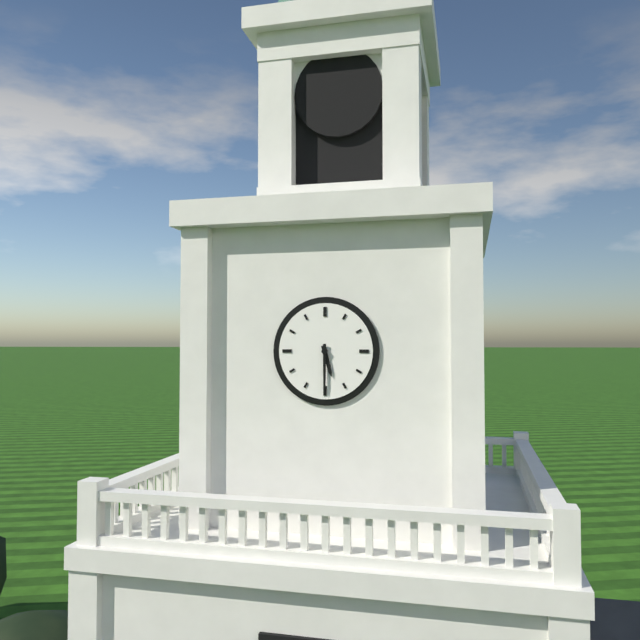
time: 5:30
